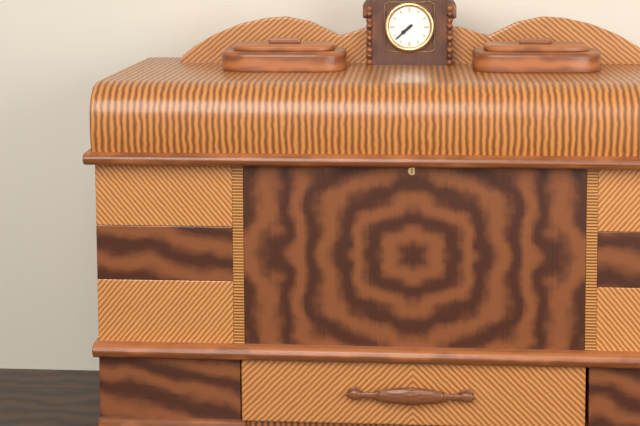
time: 7:38
